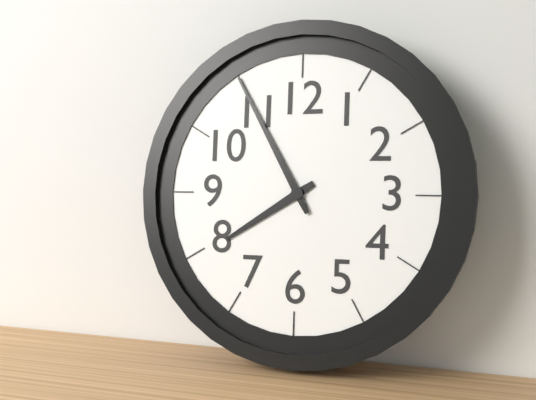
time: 7:55
